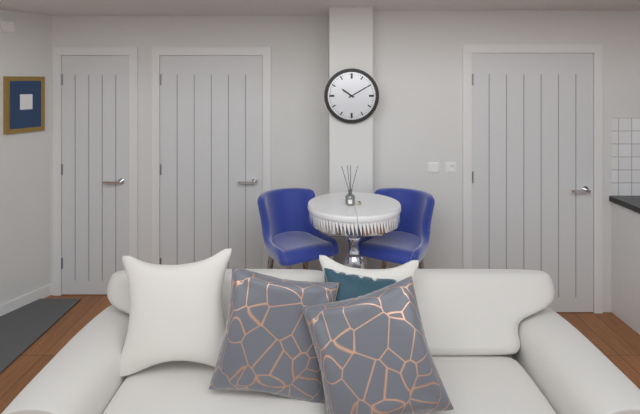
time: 10:10
